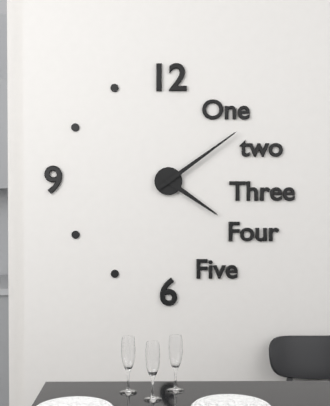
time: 4:09
